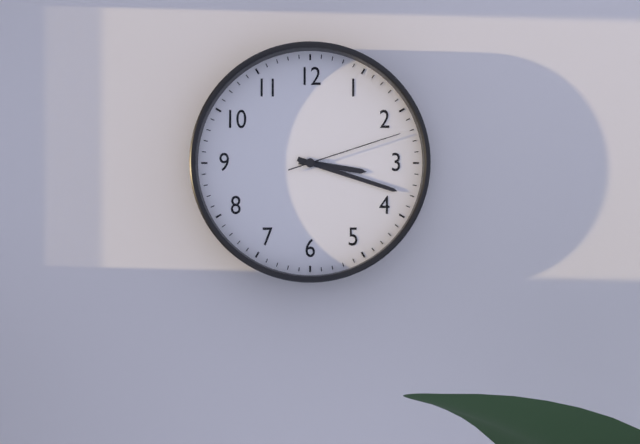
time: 3:18:12
